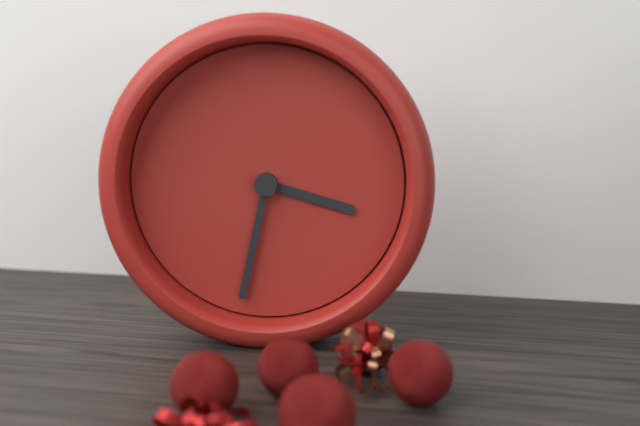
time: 3:32
